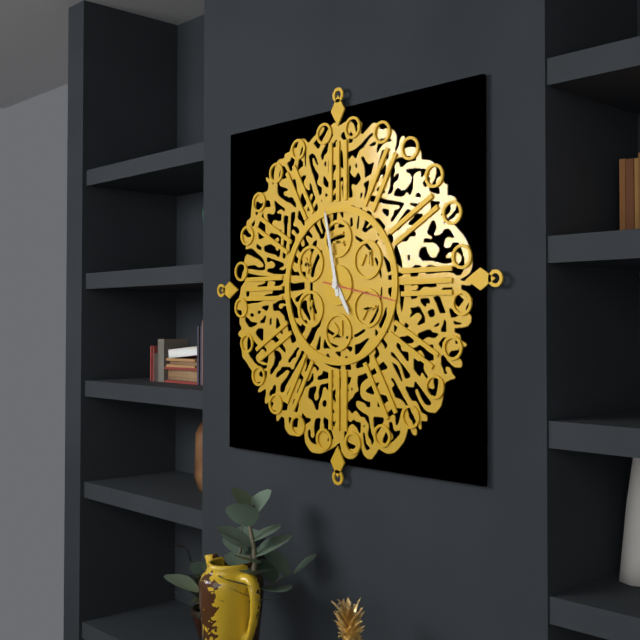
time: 4:58:17
